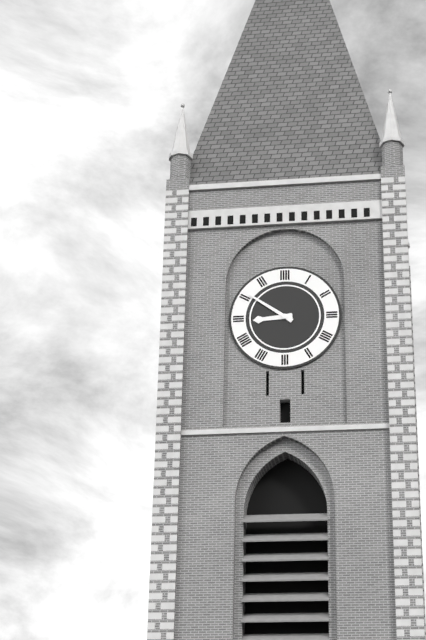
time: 8:51
